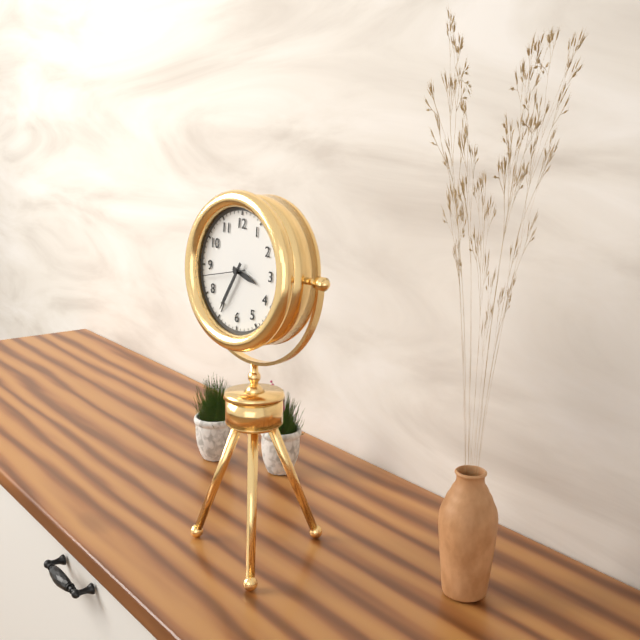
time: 3:35
